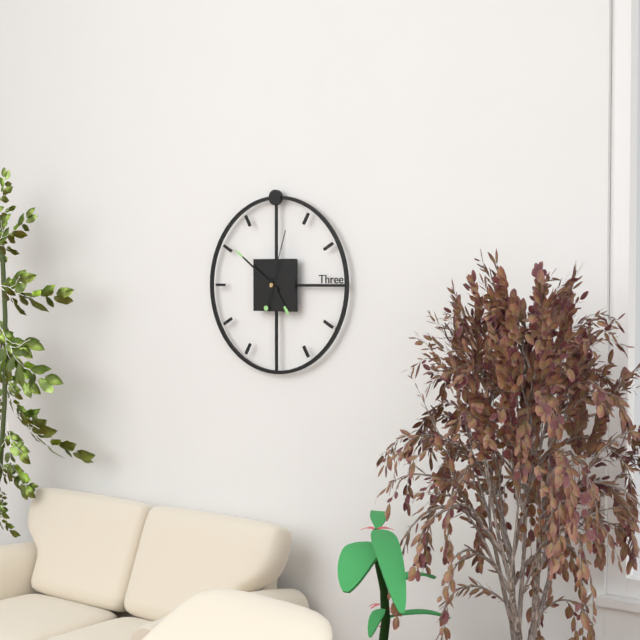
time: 4:51:03
